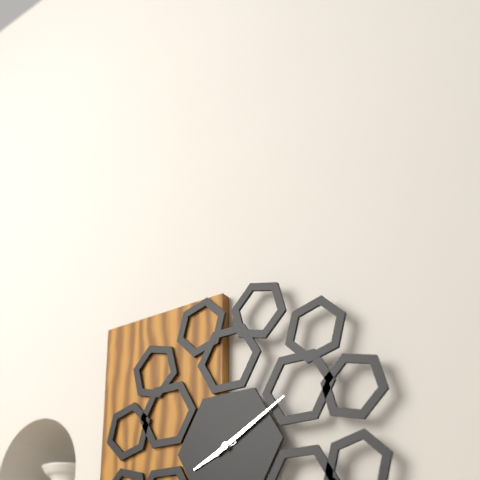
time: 8:10
